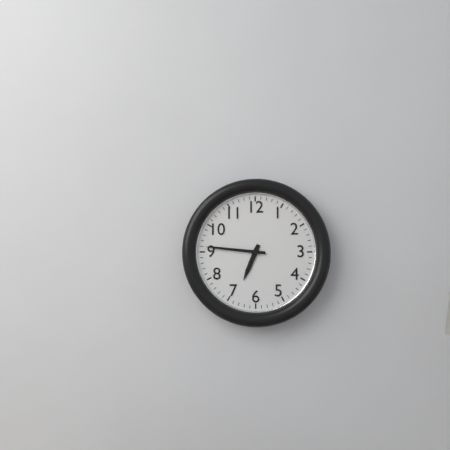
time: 6:46
